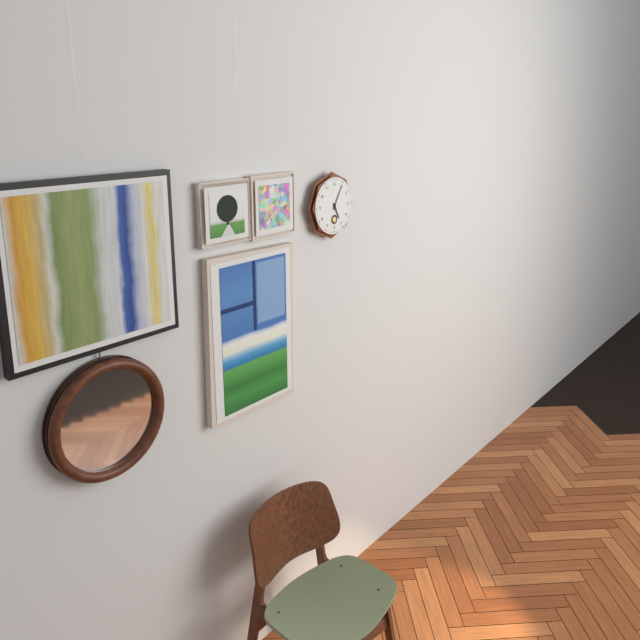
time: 5:05
